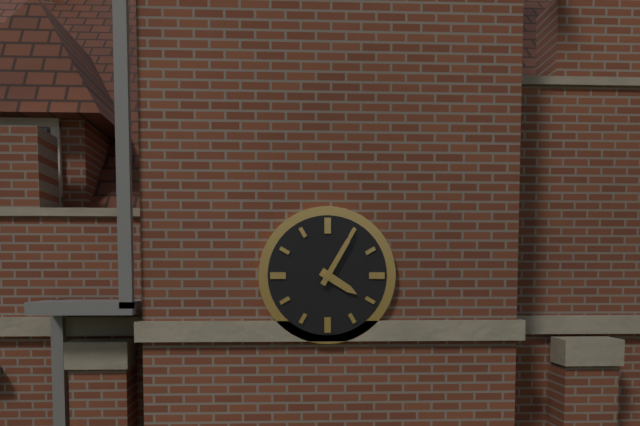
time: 4:05
